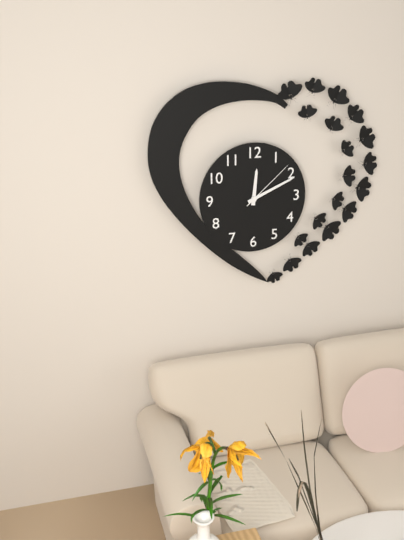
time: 12:11:08
